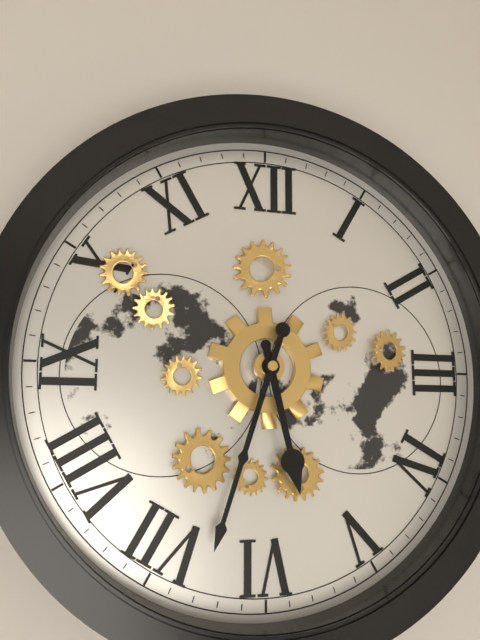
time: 5:33
